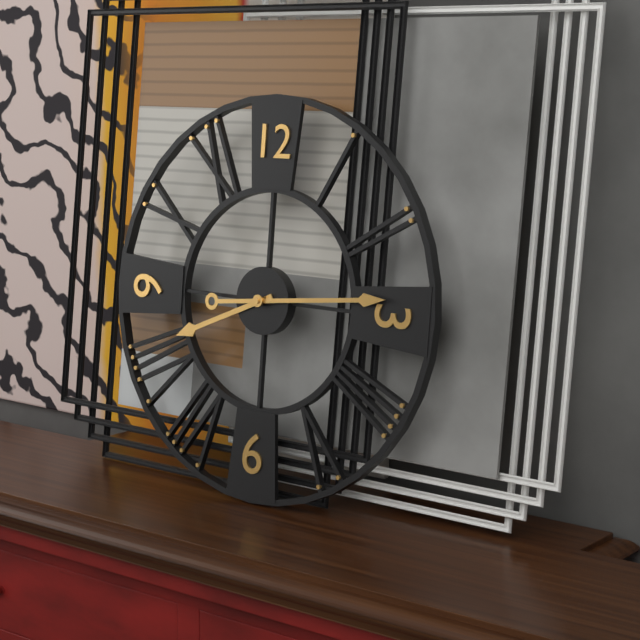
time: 8:14
